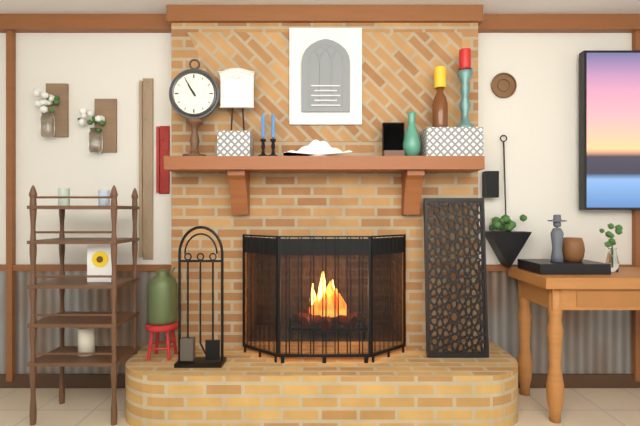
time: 10:55
